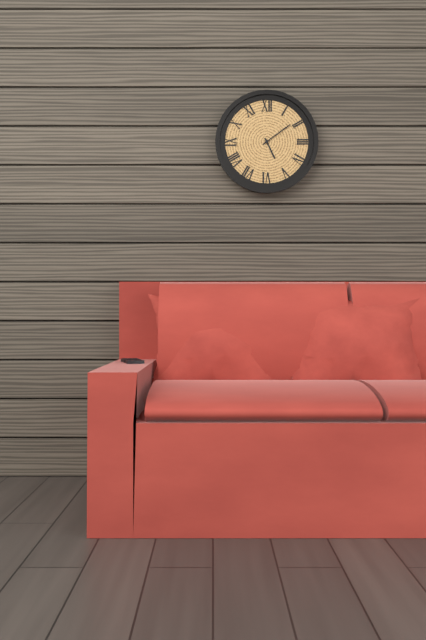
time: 5:09
